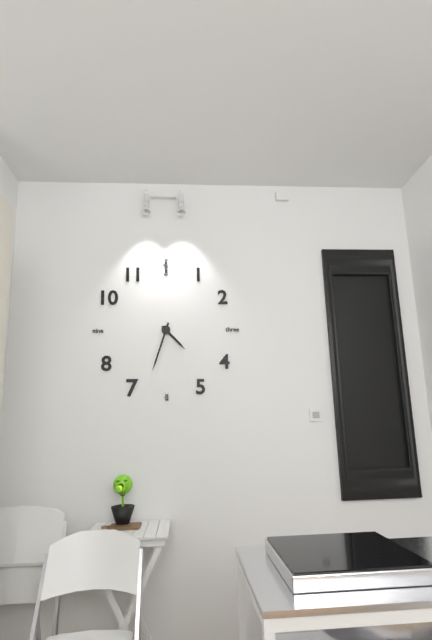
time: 4:33
